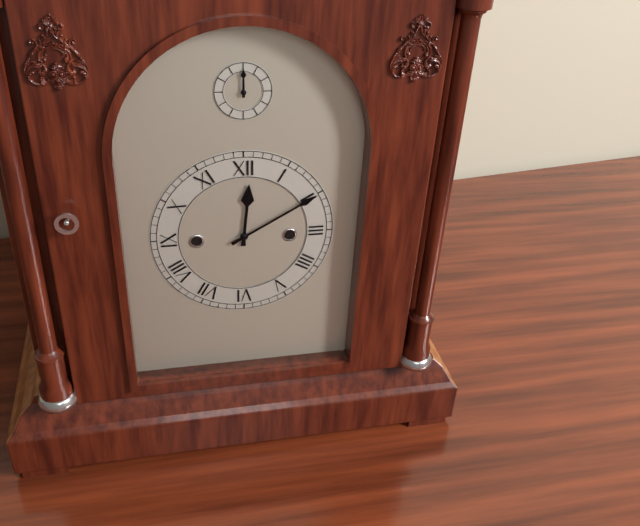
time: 12:10
